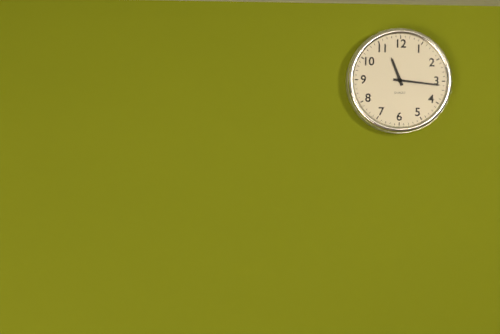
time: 11:16
